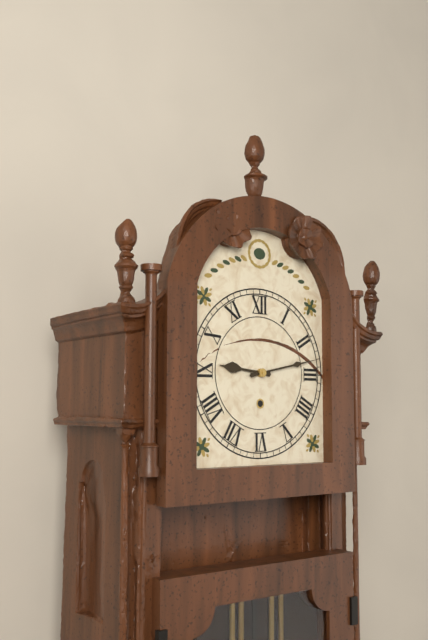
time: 9:13
